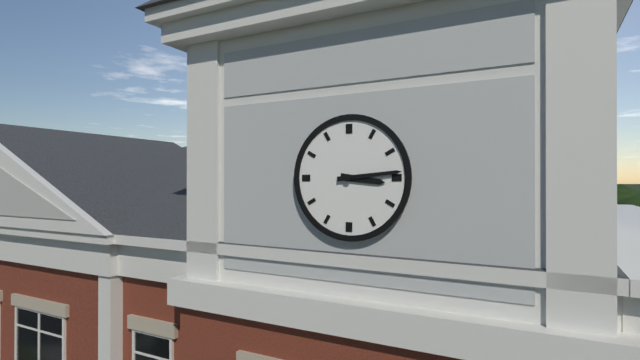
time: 3:14
